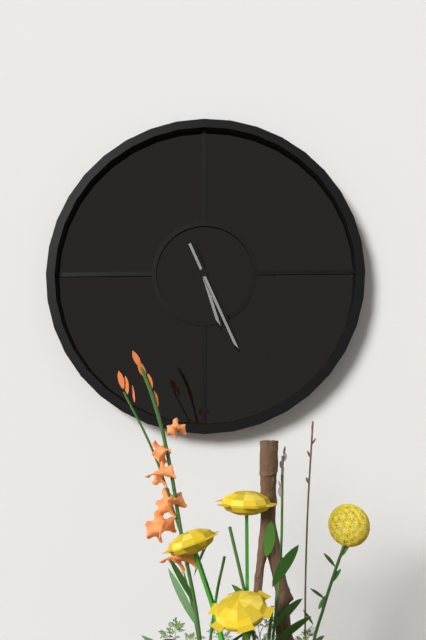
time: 5:26
